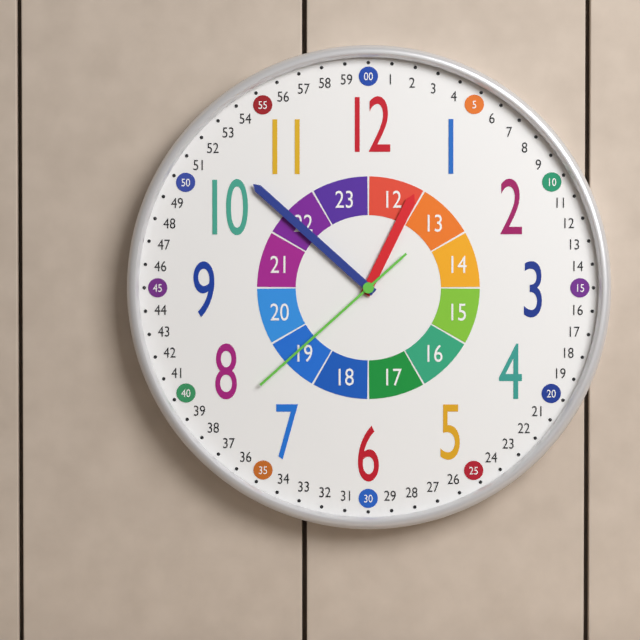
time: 12:52:38
